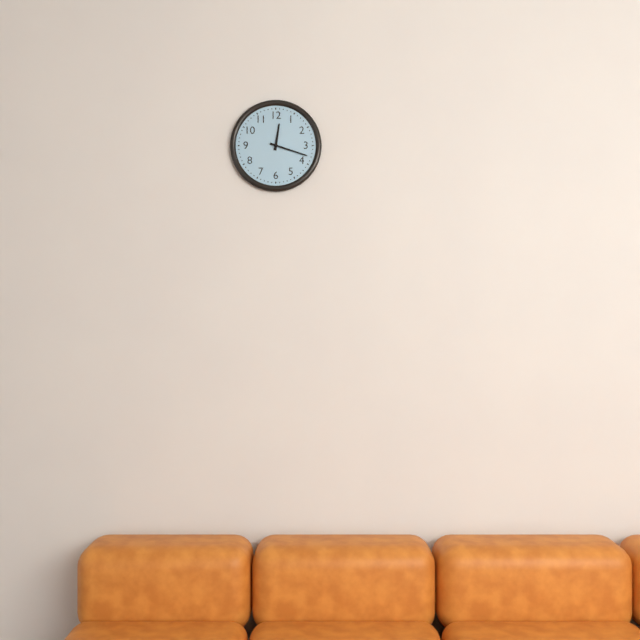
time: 12:18
